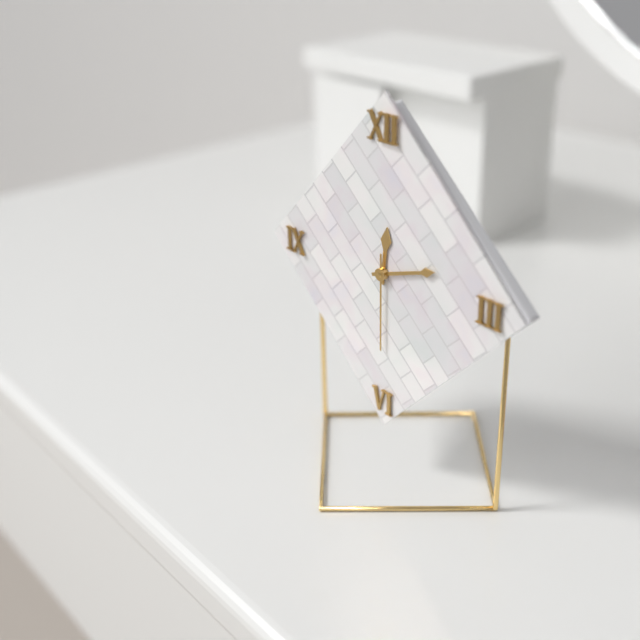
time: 12:12:30
